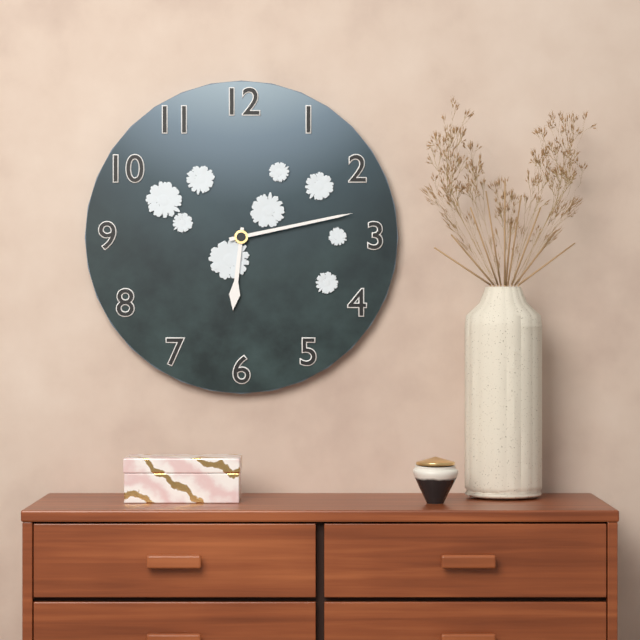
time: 6:13
